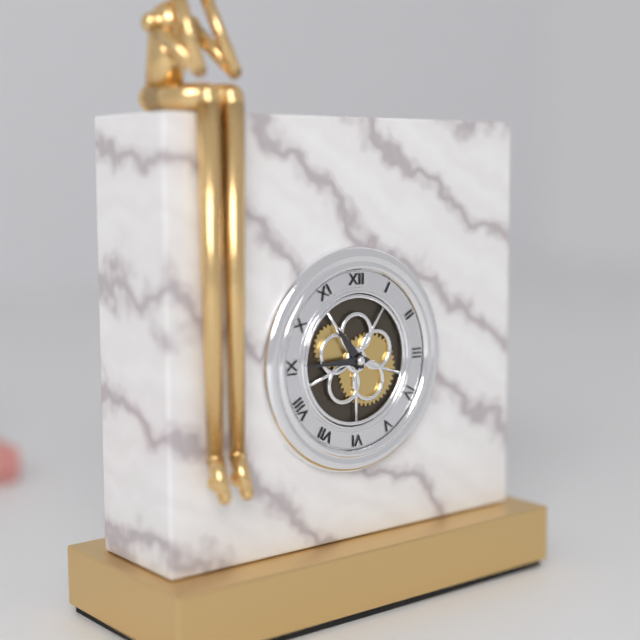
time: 10:45
